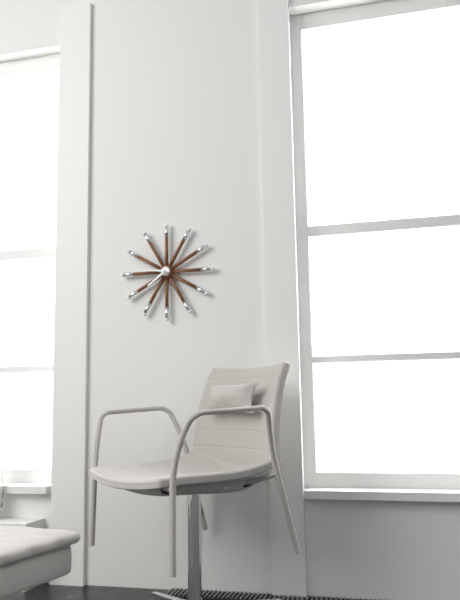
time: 7:46
